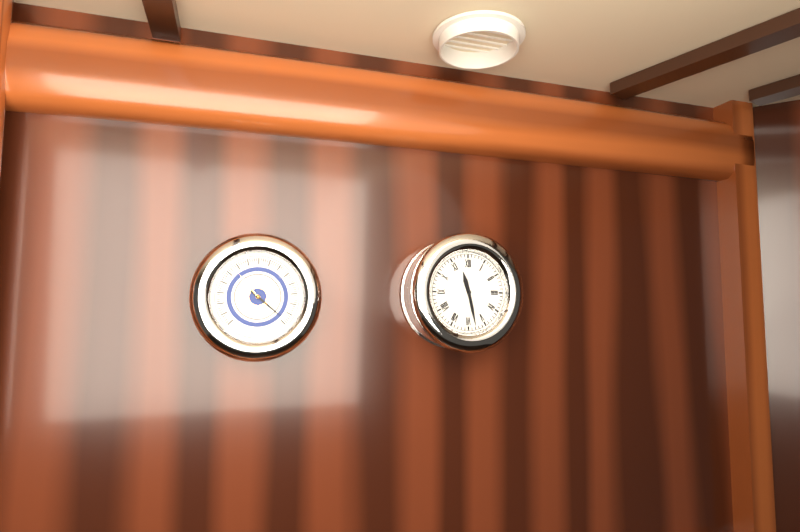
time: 11:28
